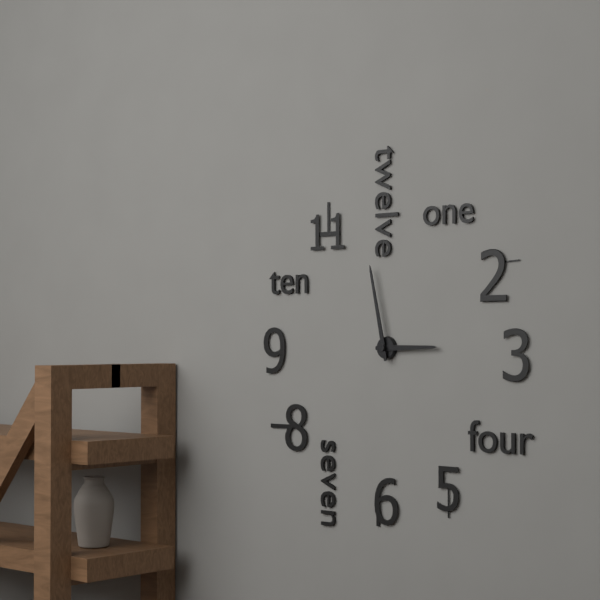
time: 2:58
